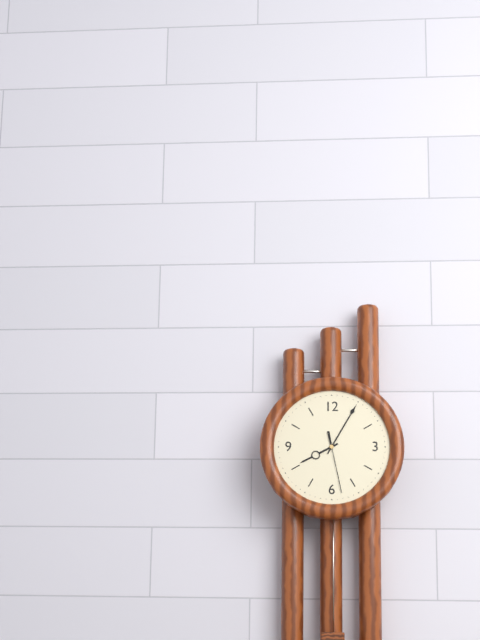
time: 8:05:28
